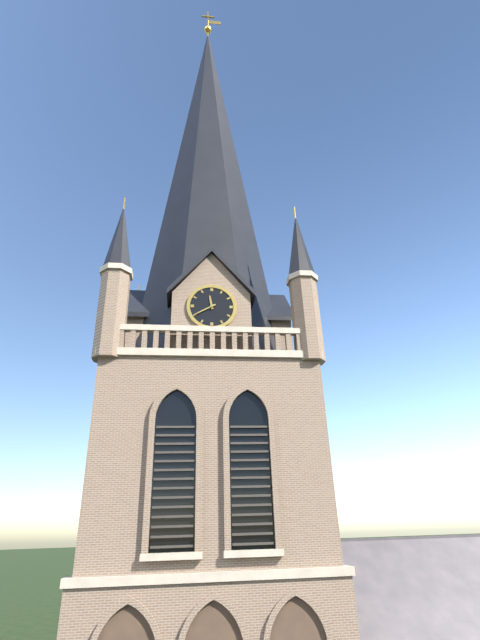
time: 11:40
